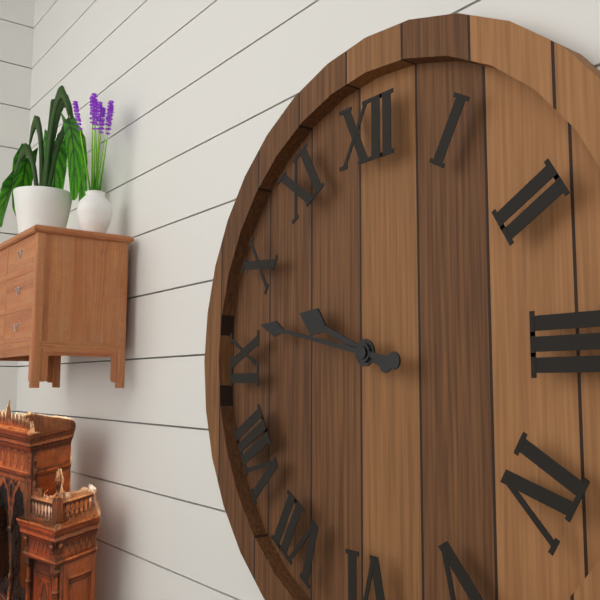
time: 9:47
